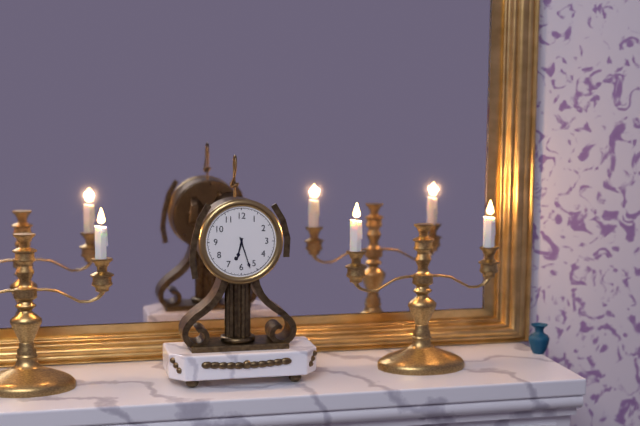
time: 6:27
